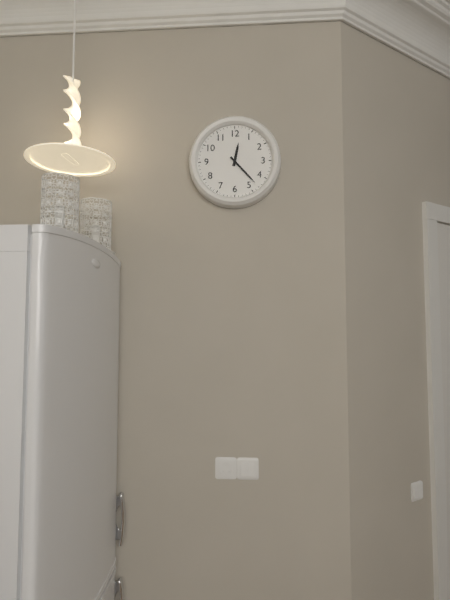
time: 12:23
